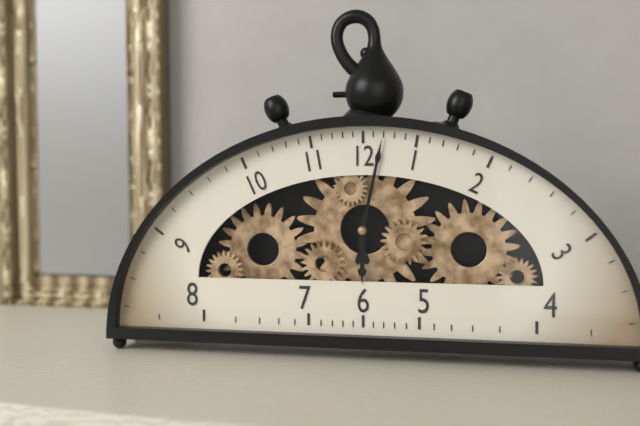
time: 6:02
